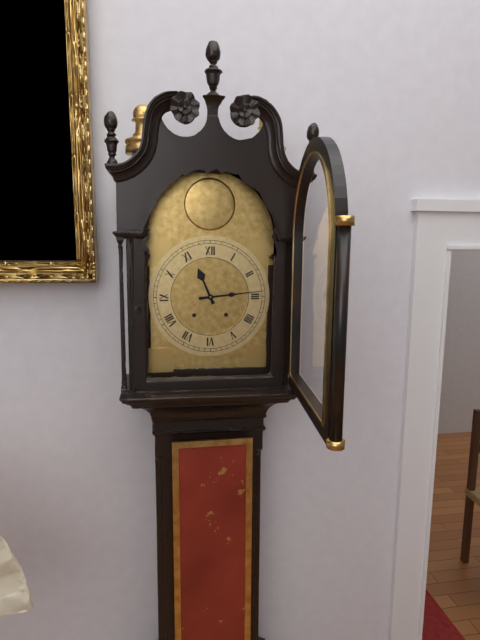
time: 11:14
